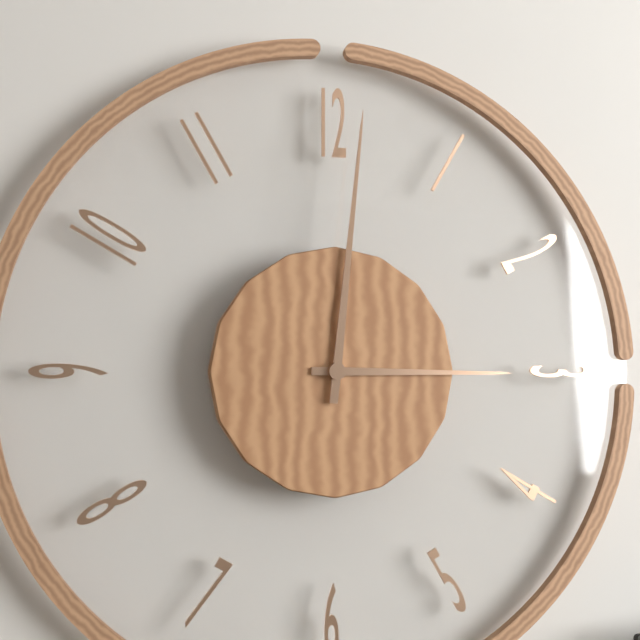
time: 3:01
